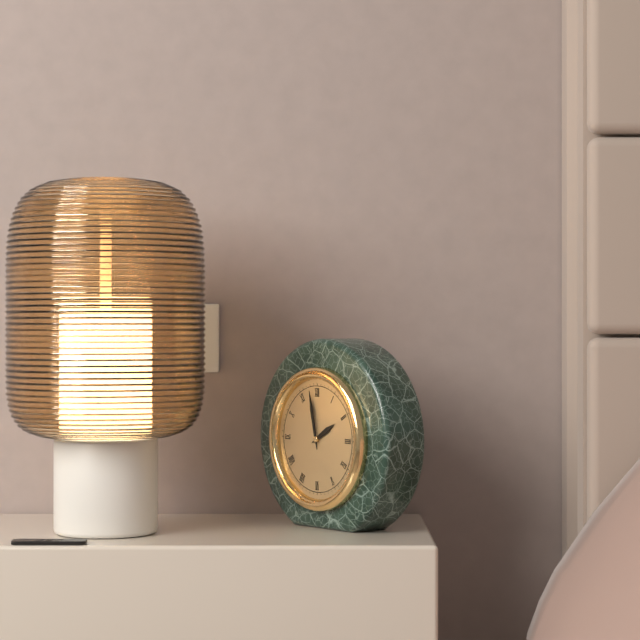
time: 1:58
